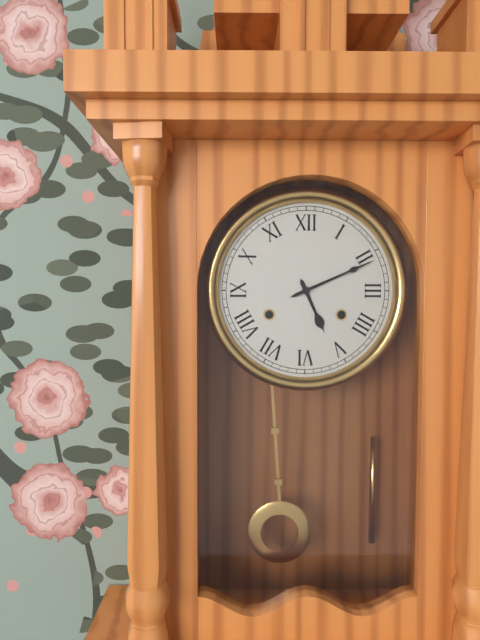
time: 5:11
